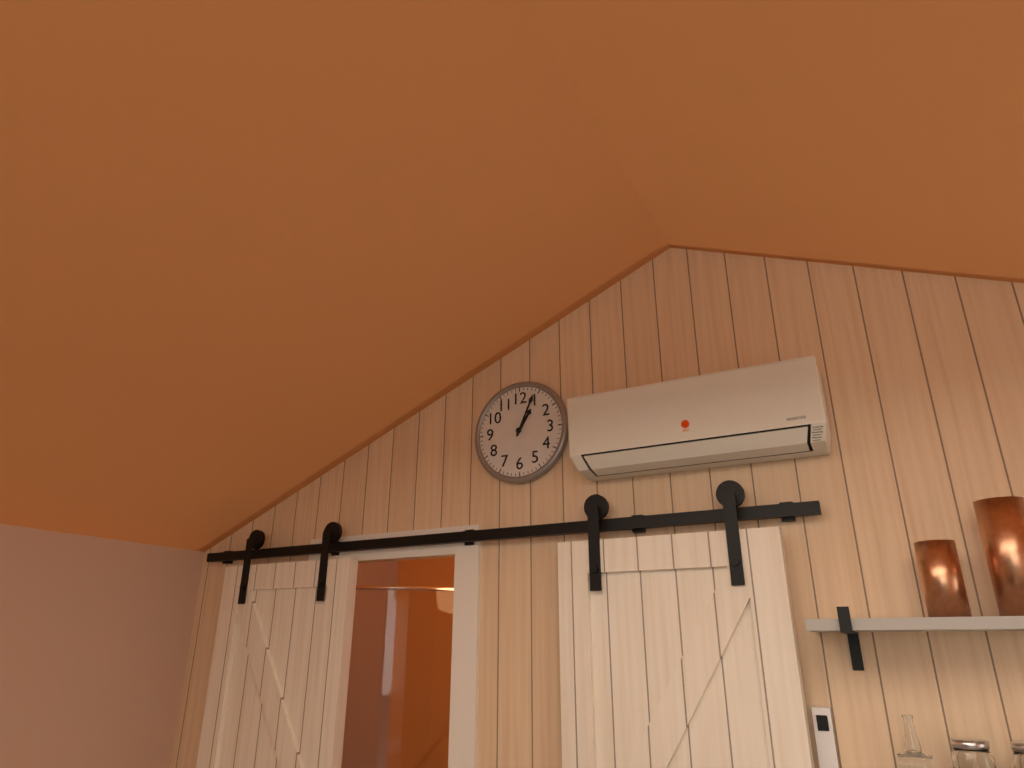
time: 1:04
